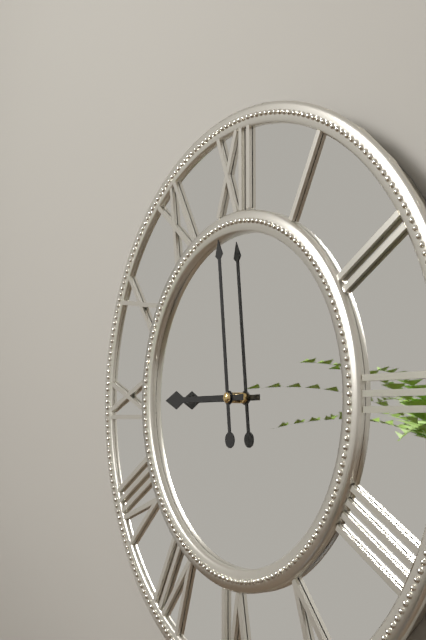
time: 8:59
